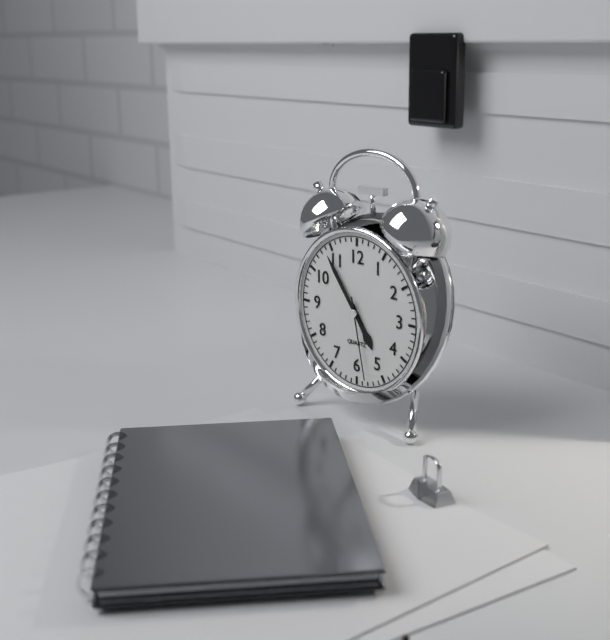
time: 4:54:28
